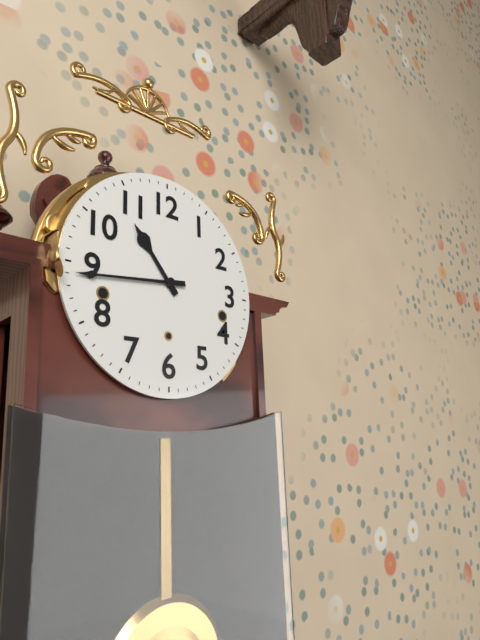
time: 10:44
